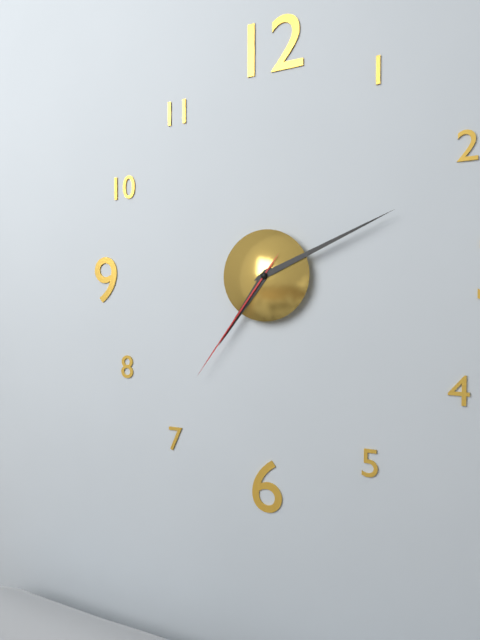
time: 7:11:36
